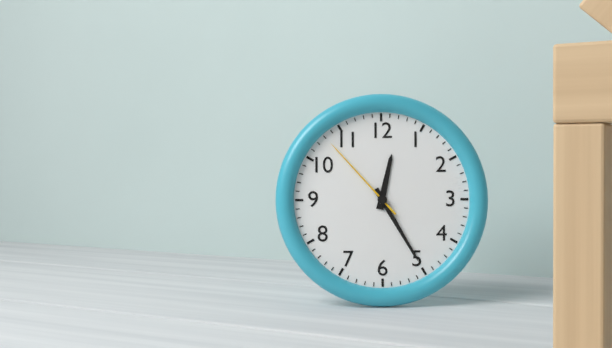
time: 12:25:53
